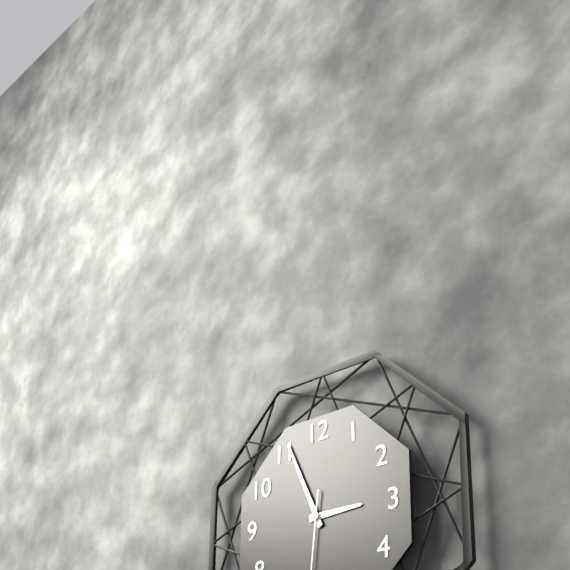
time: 2:56
